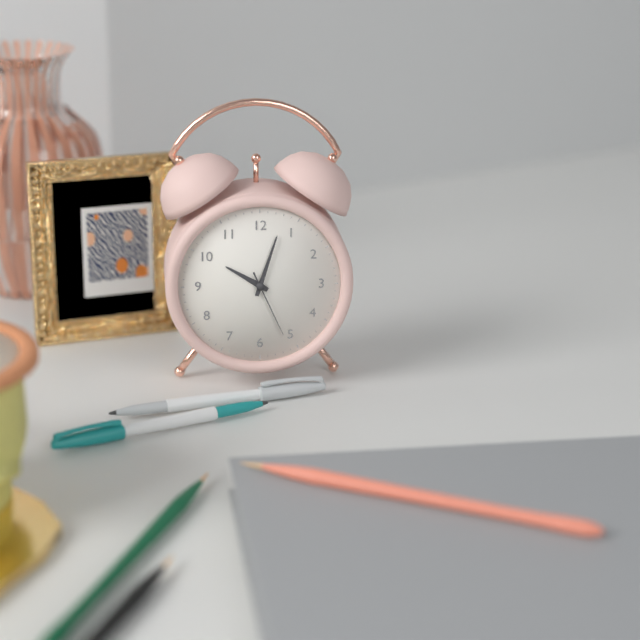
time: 10:03:26
